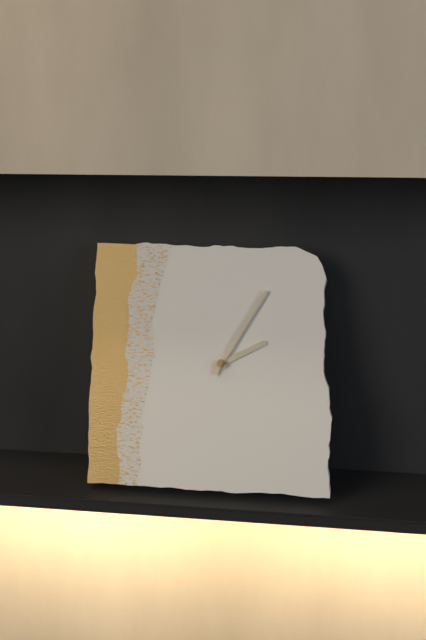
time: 2:05
